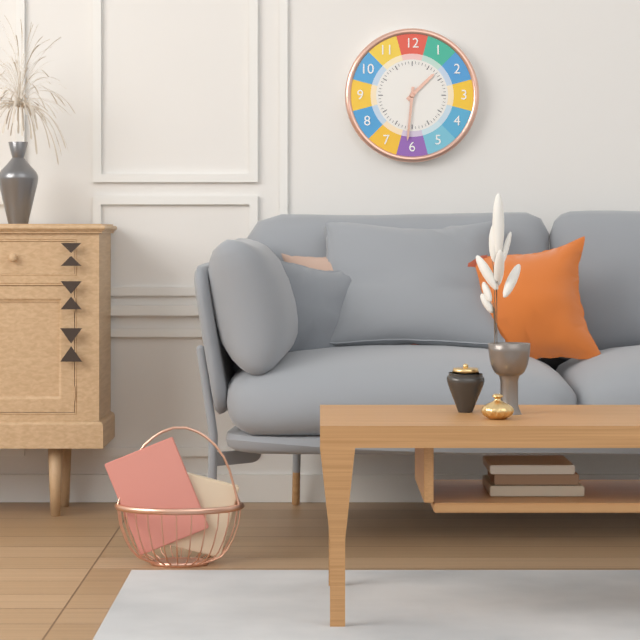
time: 1:31
